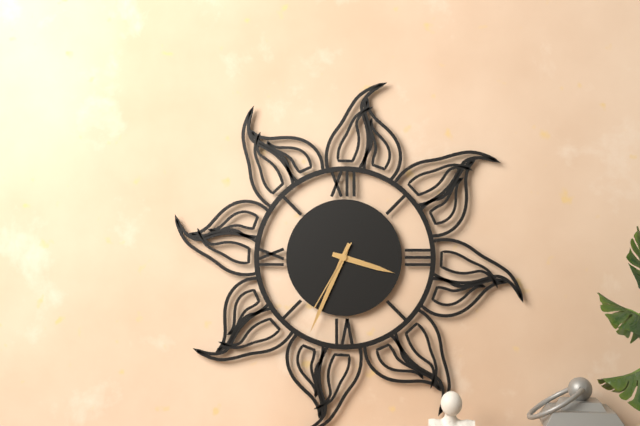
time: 3:34:35
